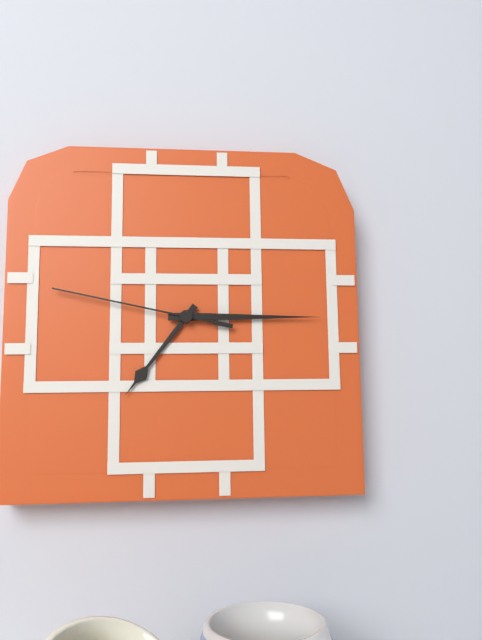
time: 7:15:47
